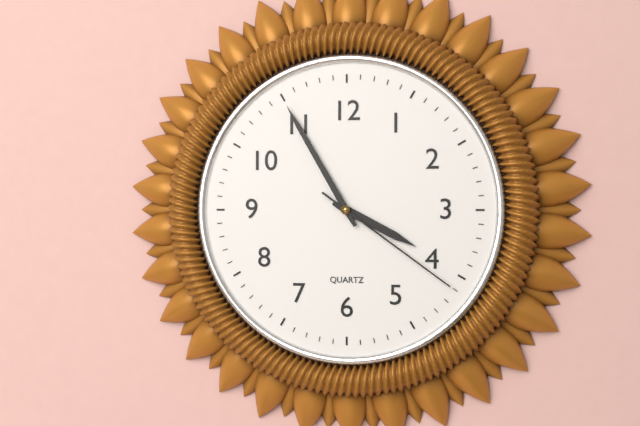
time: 3:55:21
